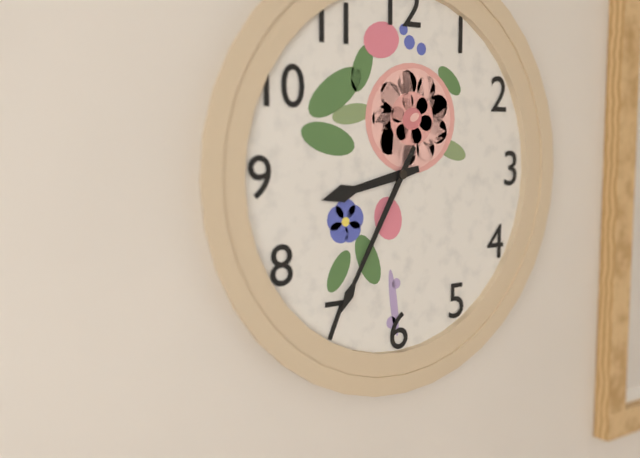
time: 8:35
